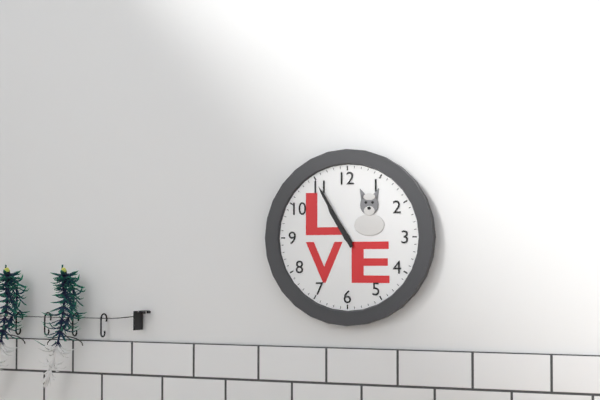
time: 10:55
